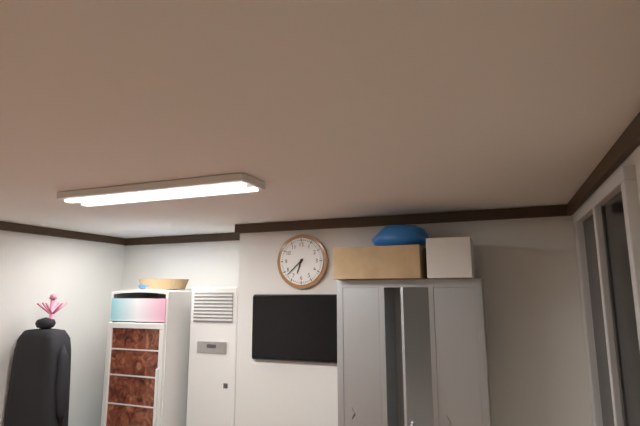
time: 6:38
